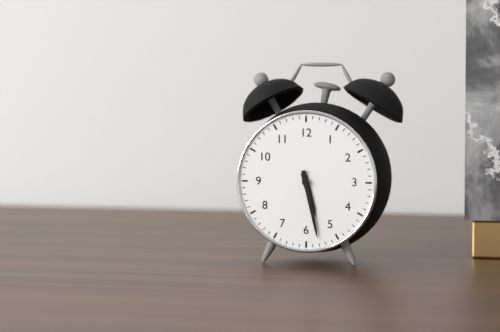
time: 5:28
